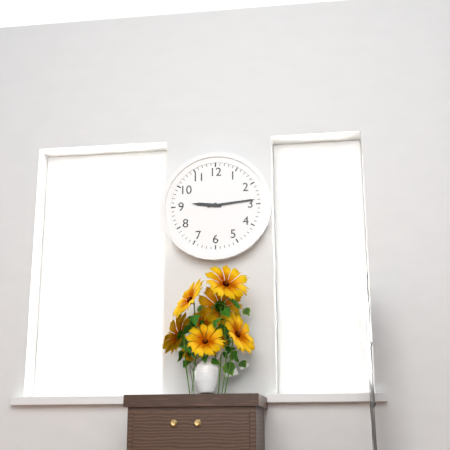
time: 9:14
